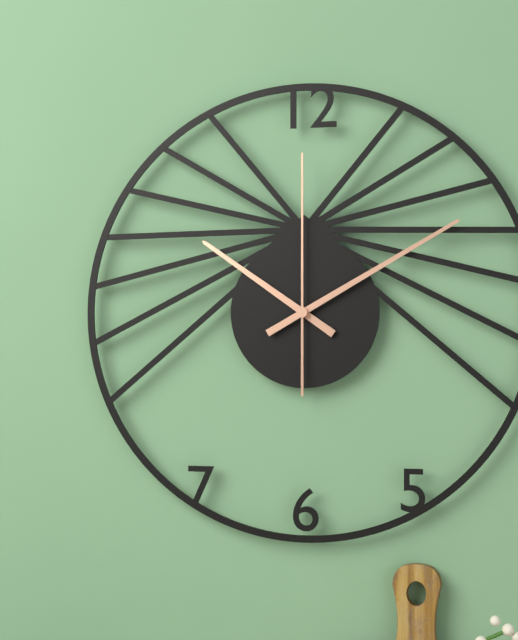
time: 10:10:00
